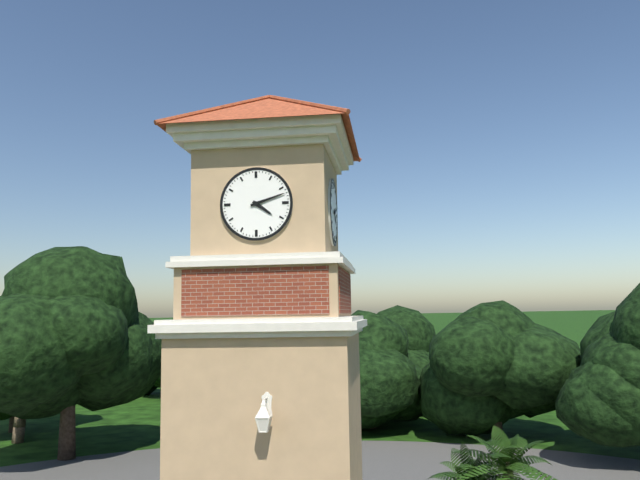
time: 4:12
